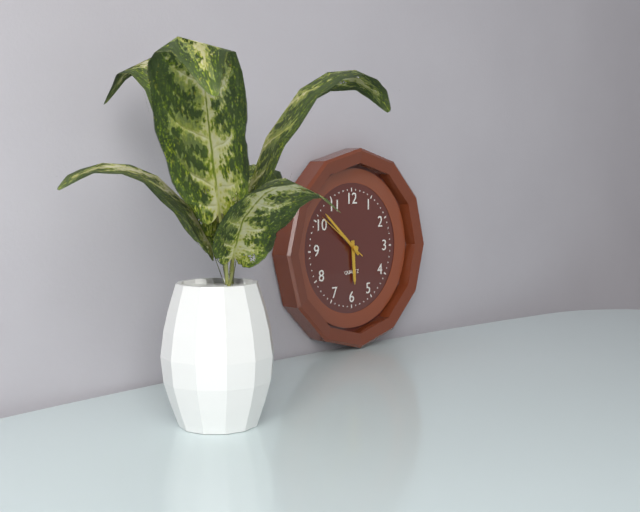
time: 5:52:51
